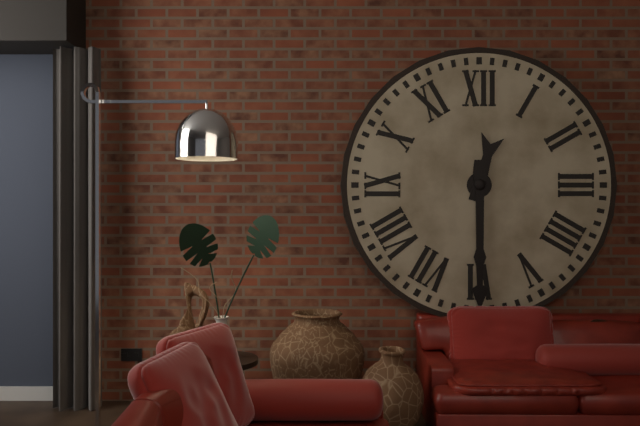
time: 12:30
